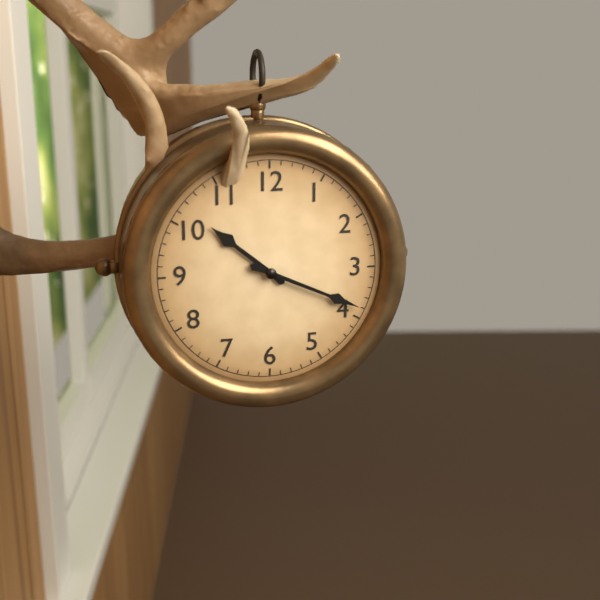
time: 10:19
